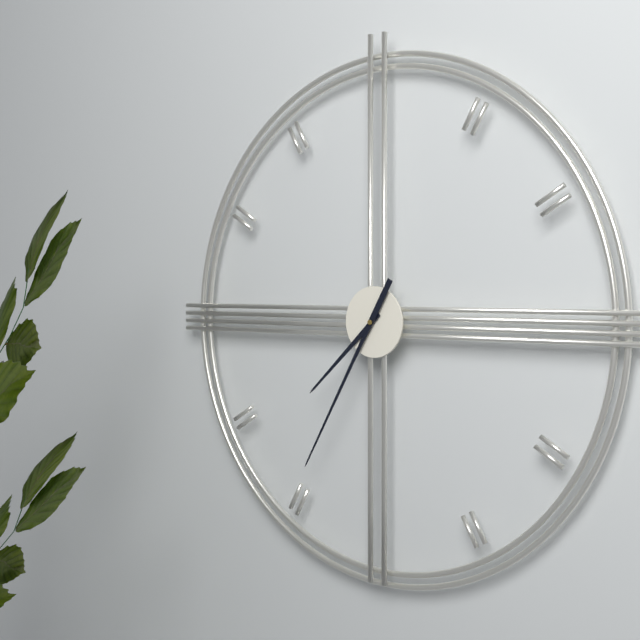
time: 7:35
